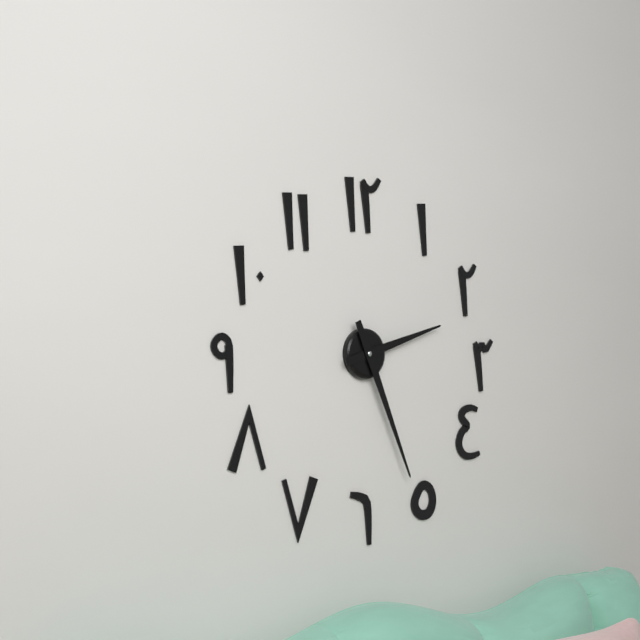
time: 2:26
